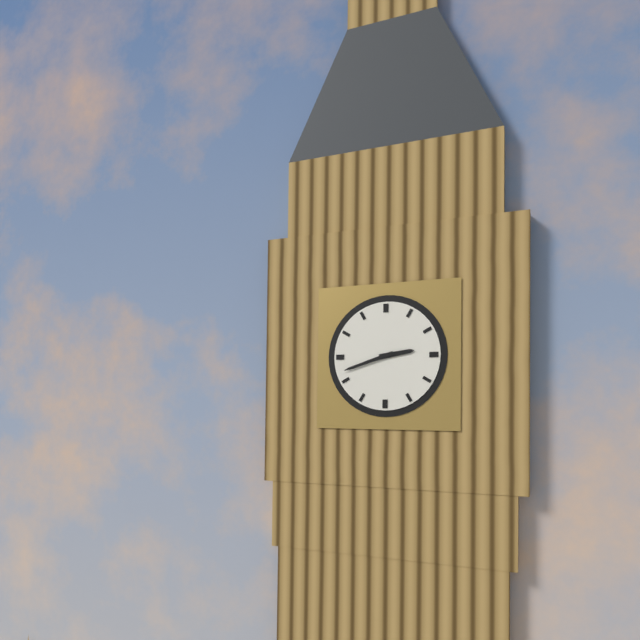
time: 2:42
